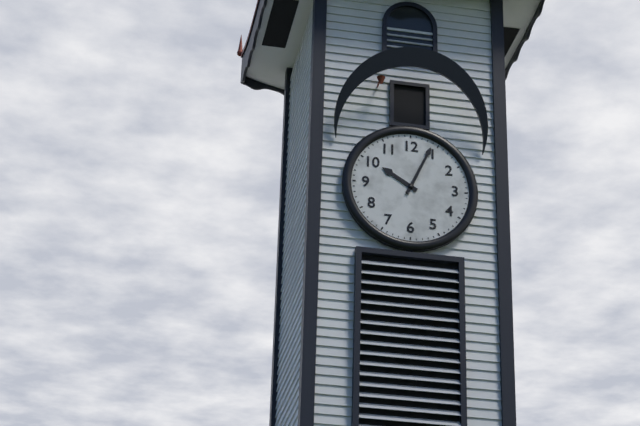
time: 10:04
